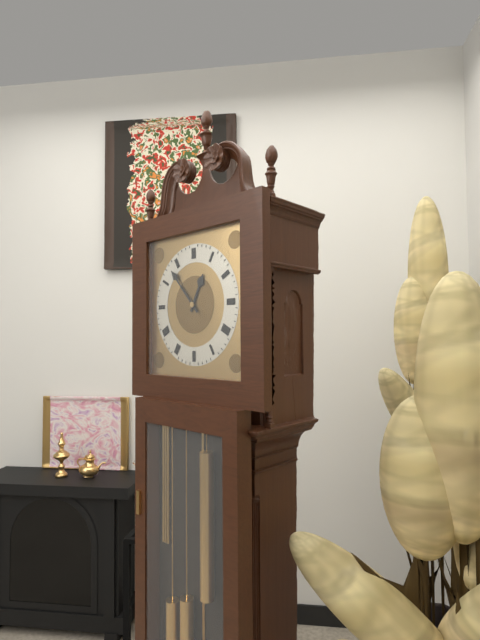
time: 12:53
